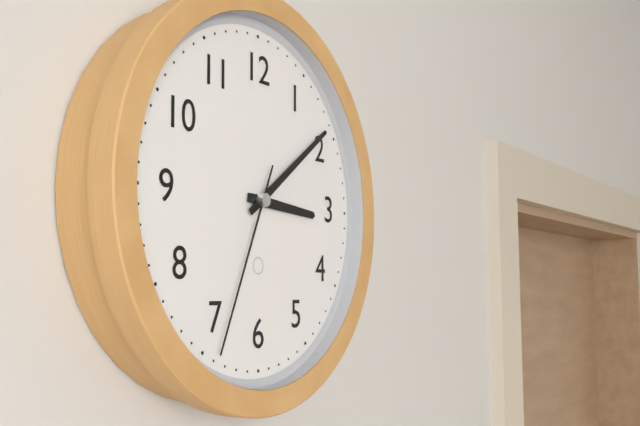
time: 3:09:34
